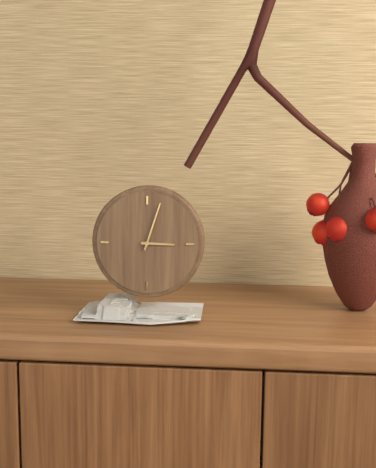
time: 3:03
